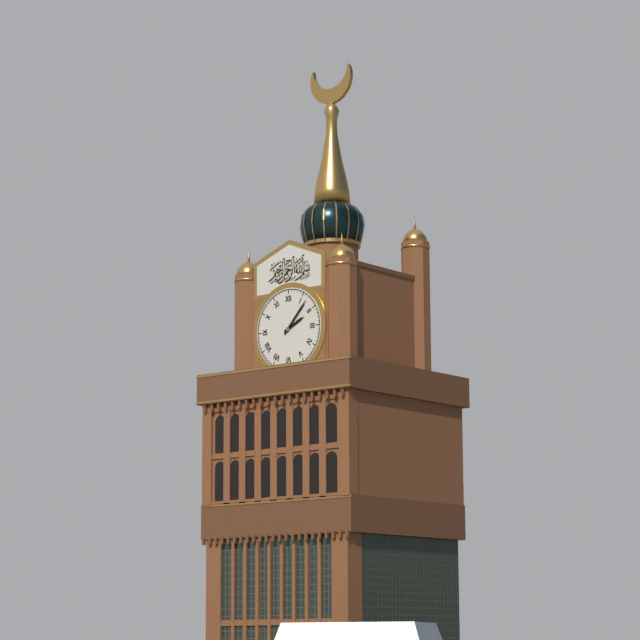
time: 2:07
